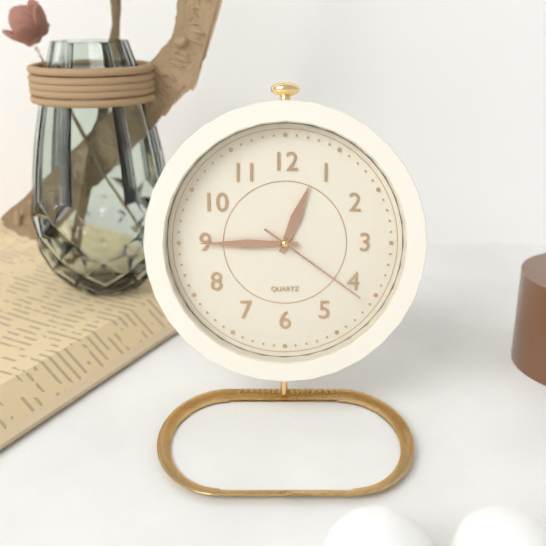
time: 12:45:21
